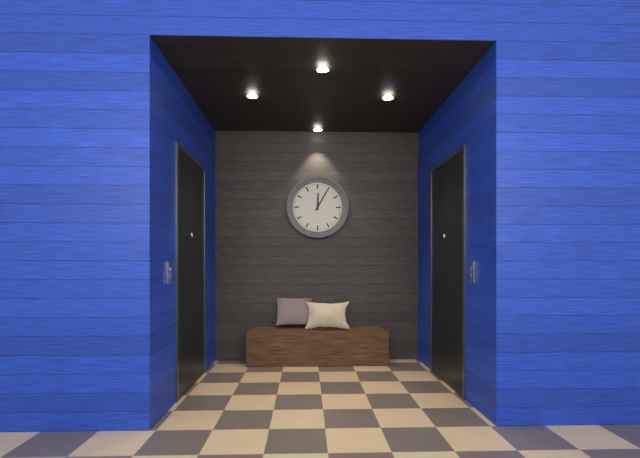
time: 12:05
